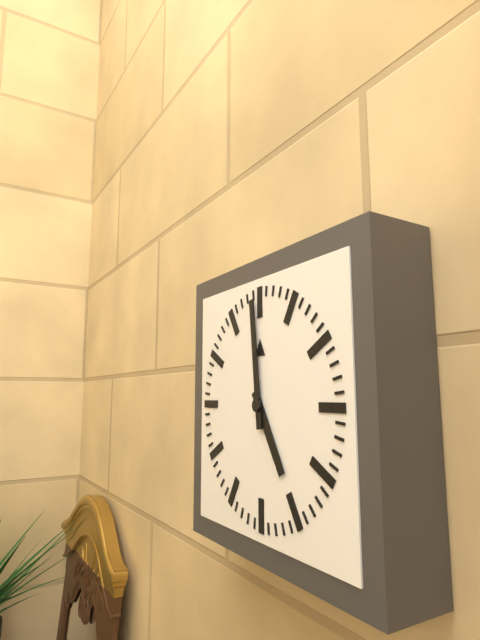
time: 4:59
